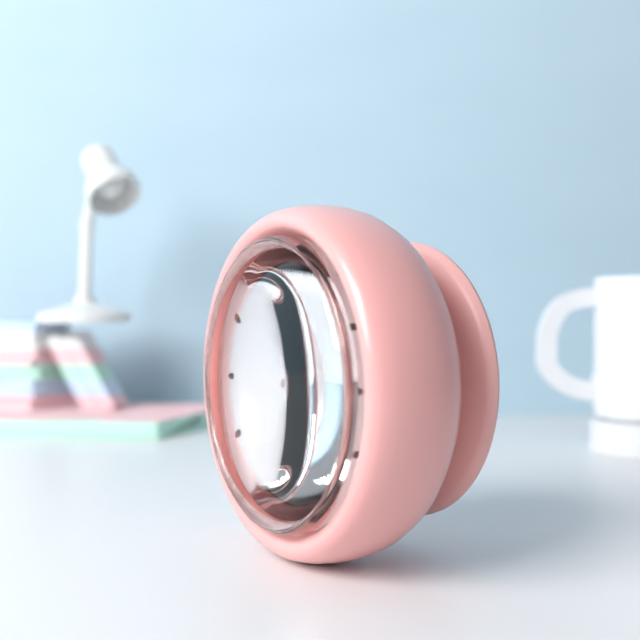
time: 2:02
